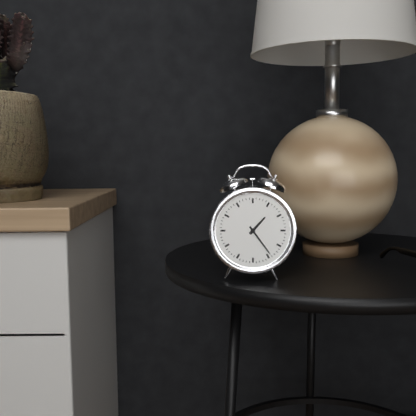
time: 1:24
